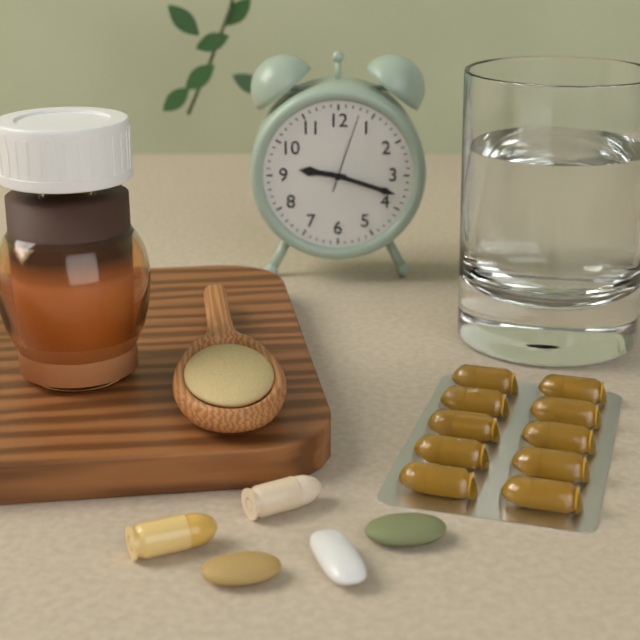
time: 9:18:03
